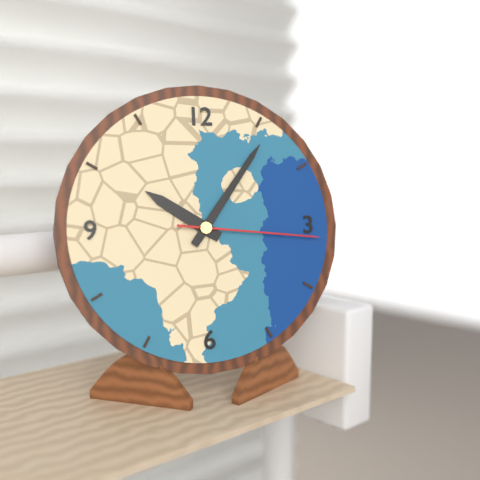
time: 10:06:16
